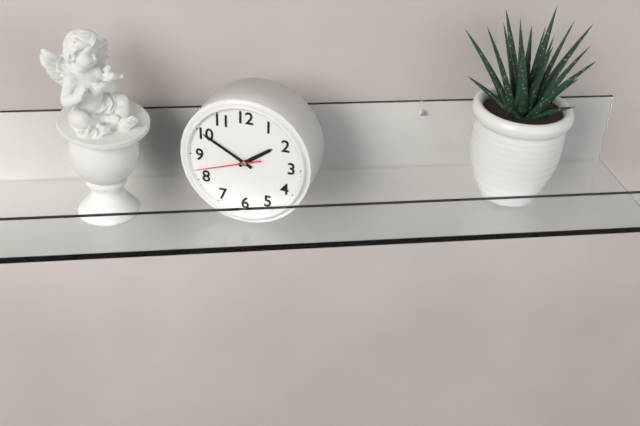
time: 1:50:42
